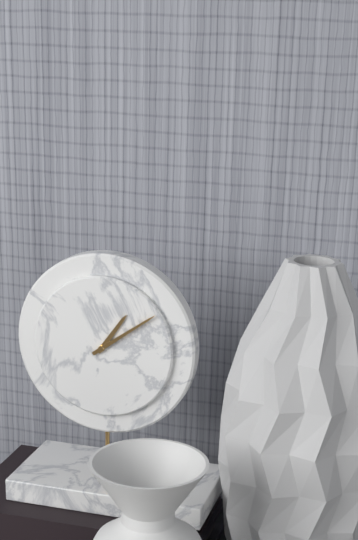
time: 1:09
